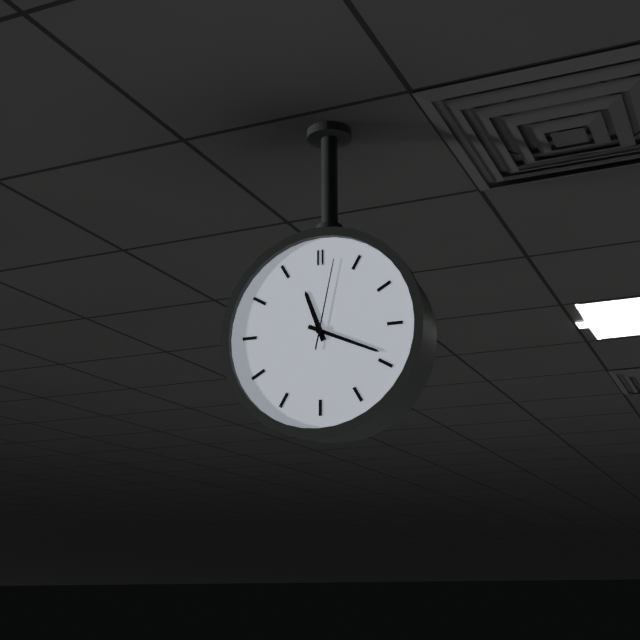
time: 11:19:02
